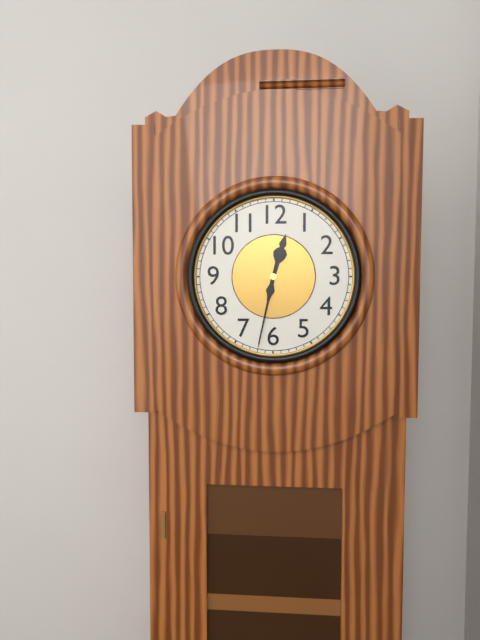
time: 12:32
